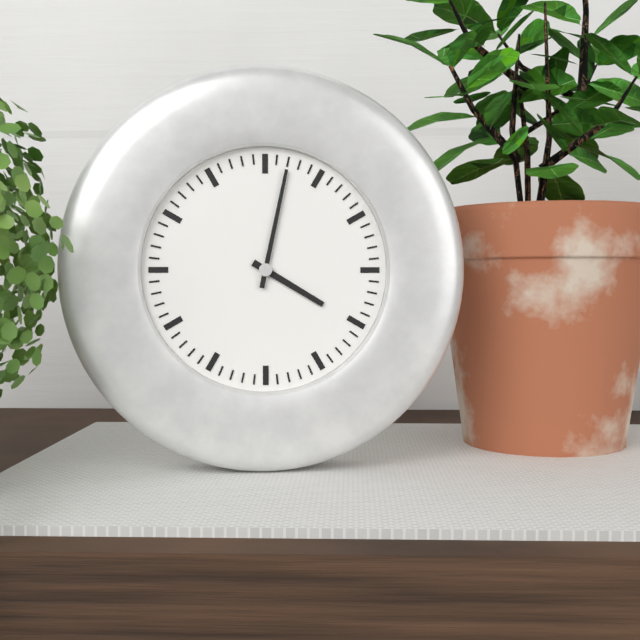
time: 4:02
